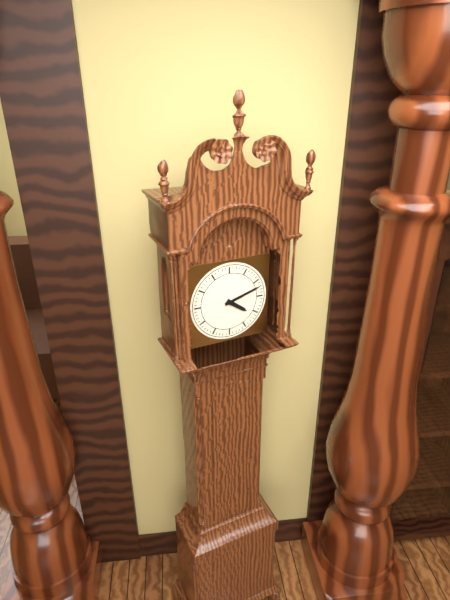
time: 4:12
